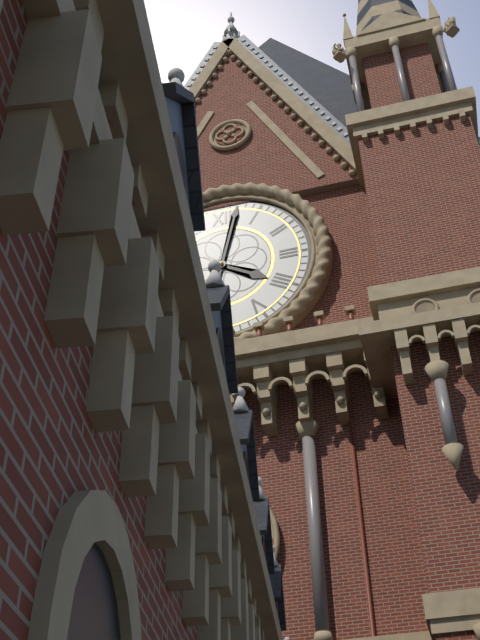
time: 4:02
